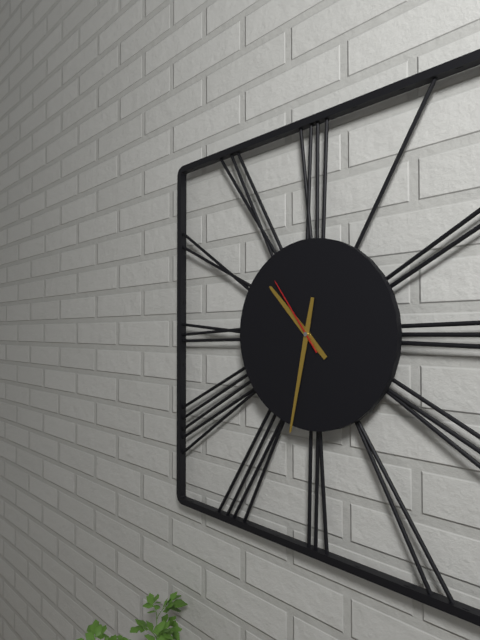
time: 10:32:54
